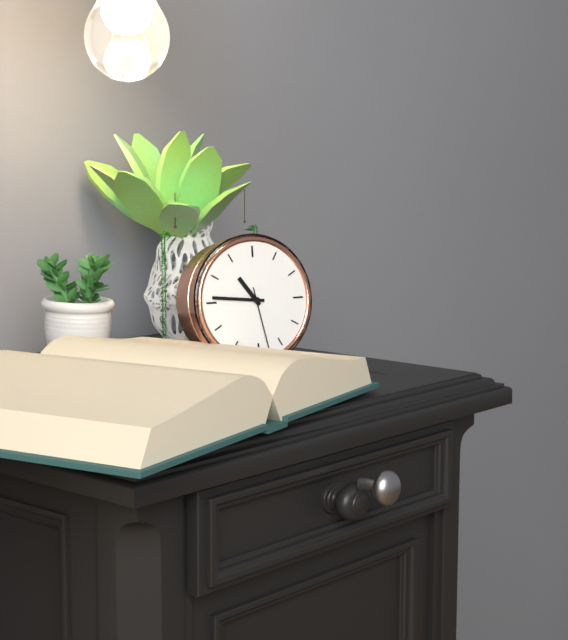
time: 10:46:28
